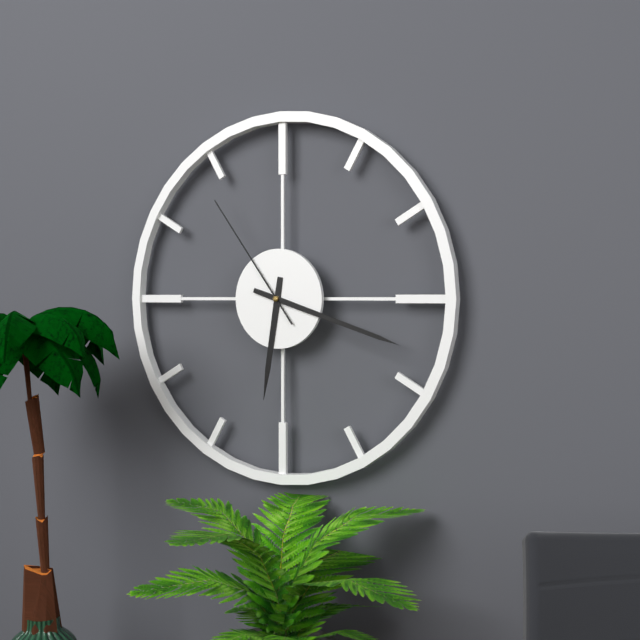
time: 6:18:54
